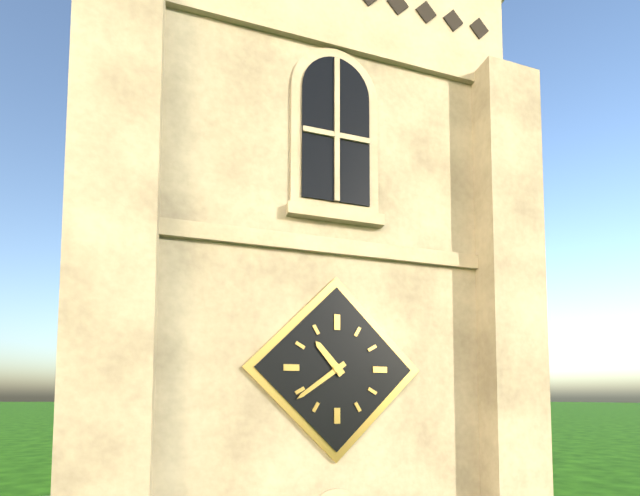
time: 10:39
